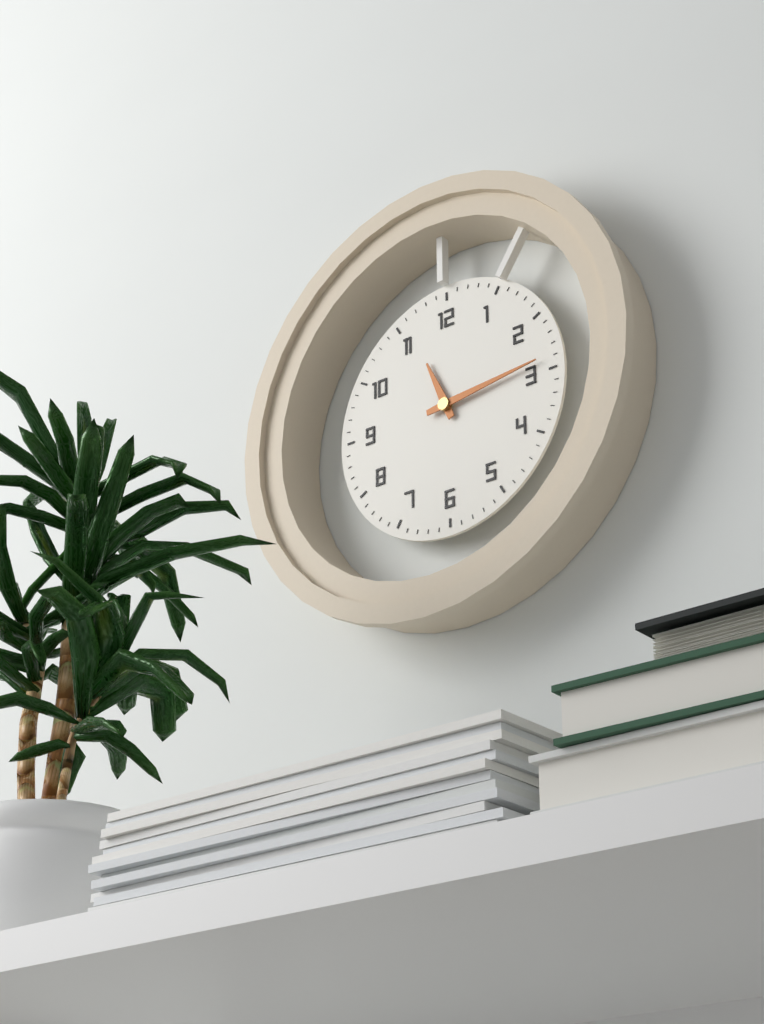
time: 11:14
